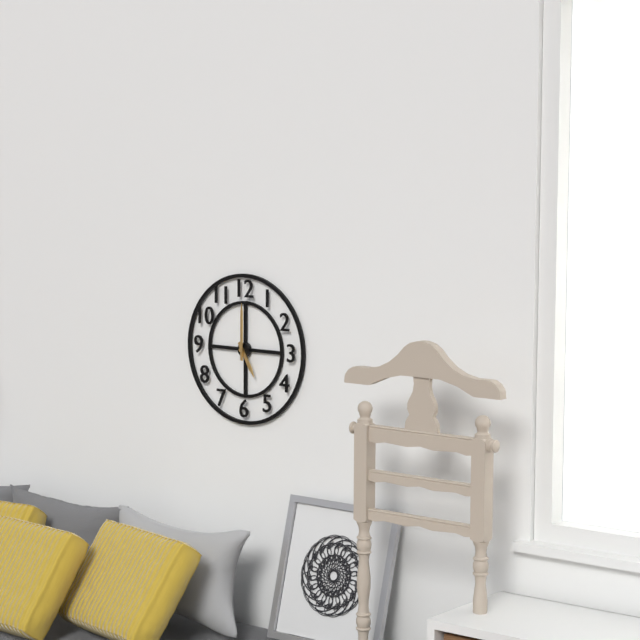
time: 5:00
